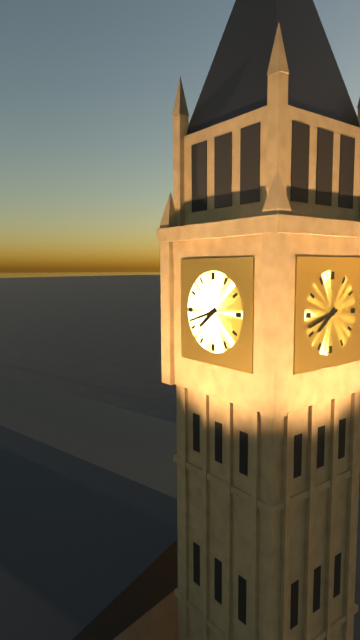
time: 7:42
